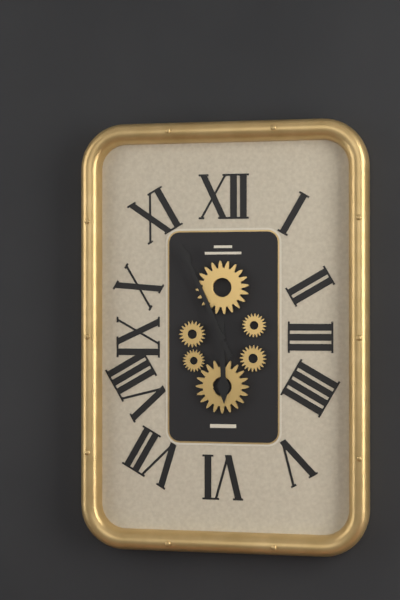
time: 5:56
